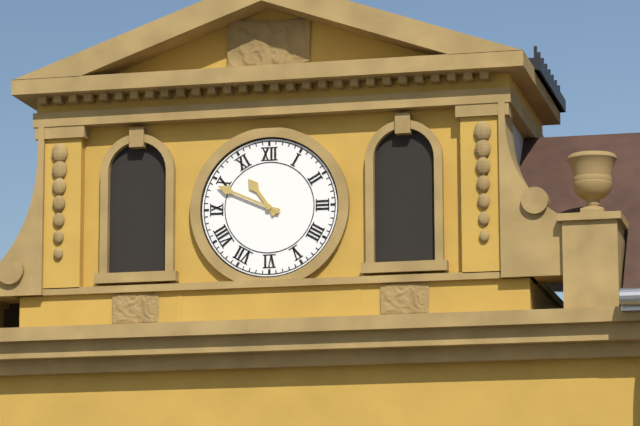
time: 10:49
